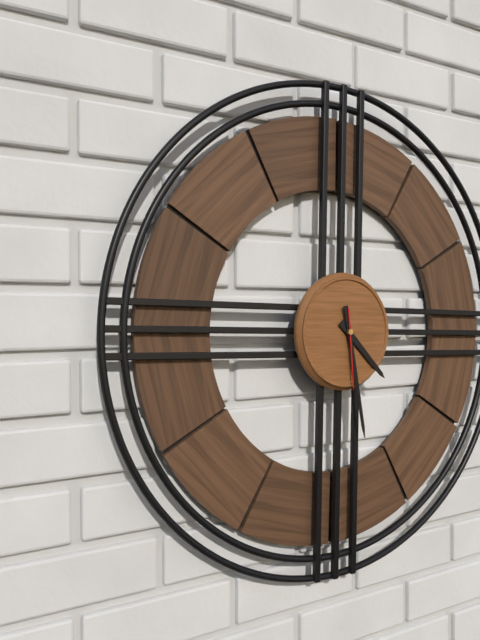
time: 4:28:29
